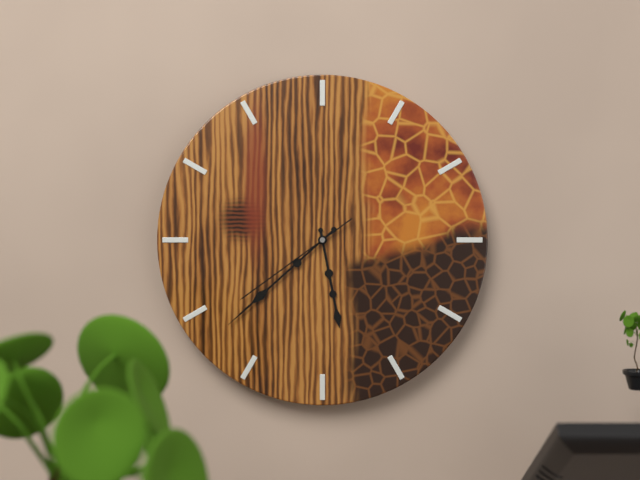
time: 5:38:39
